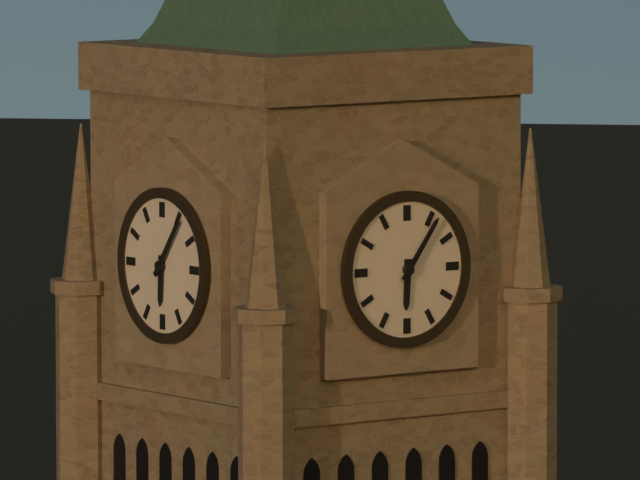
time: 6:06
